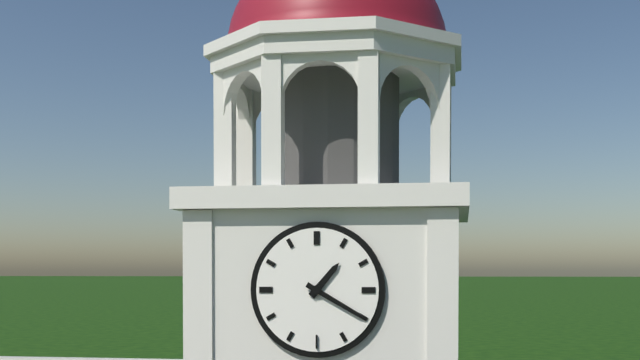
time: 1:20
